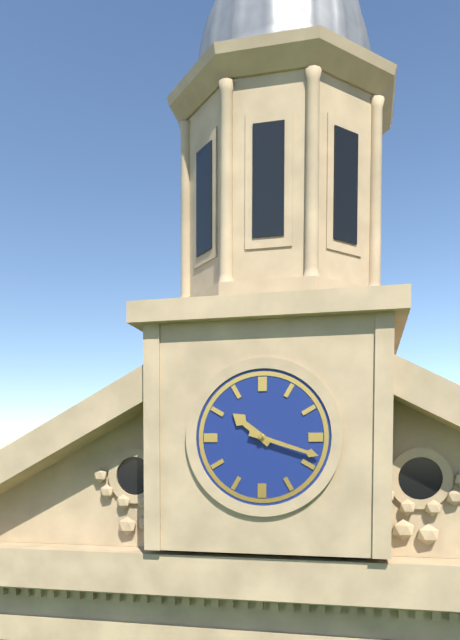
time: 10:18
